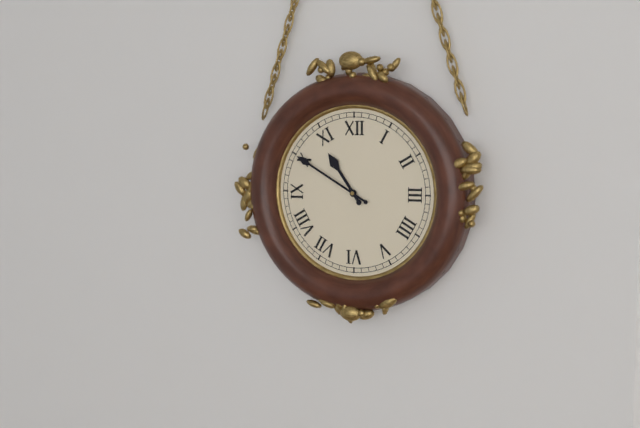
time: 10:50
